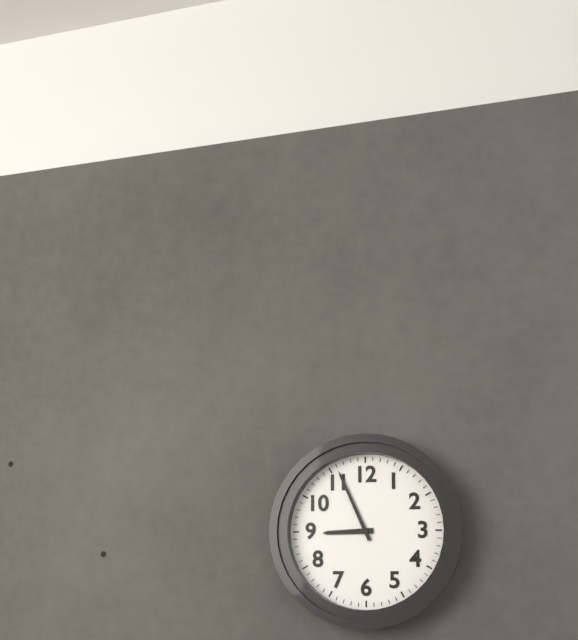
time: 8:56
